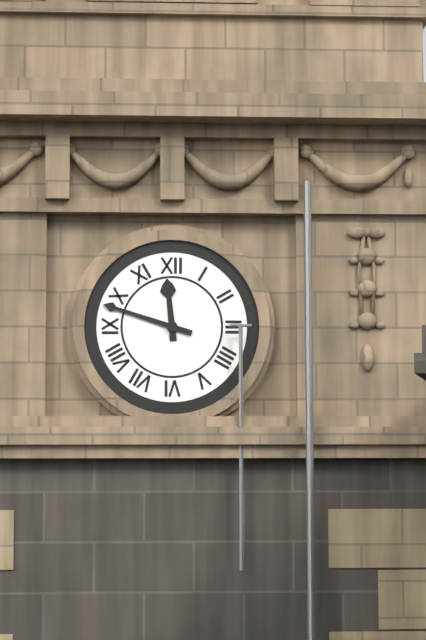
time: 11:48
